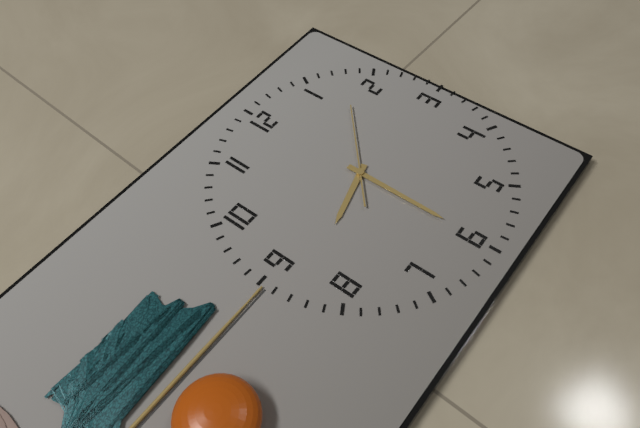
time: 8:30:08
